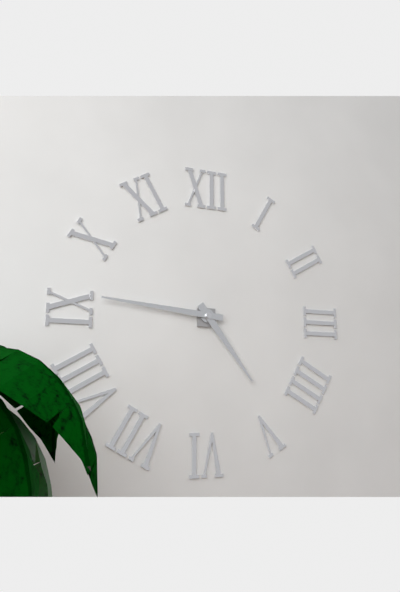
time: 4:46
